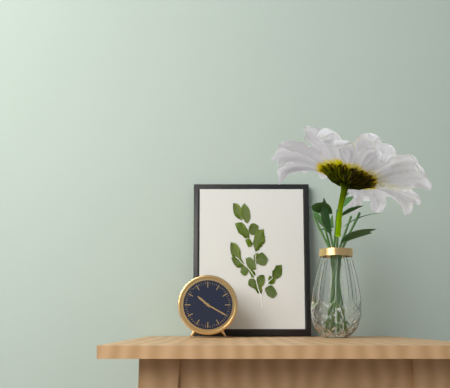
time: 10:20
